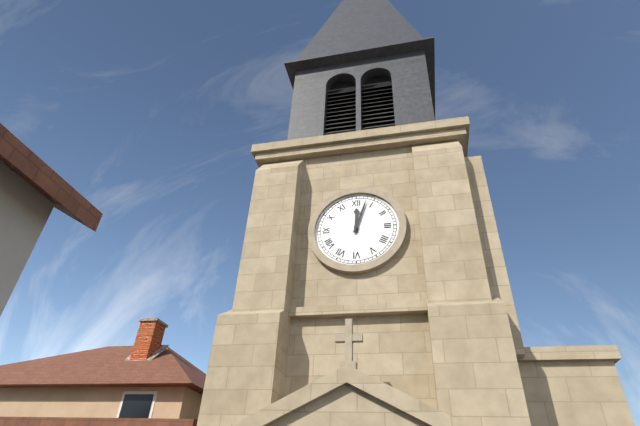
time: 12:03
